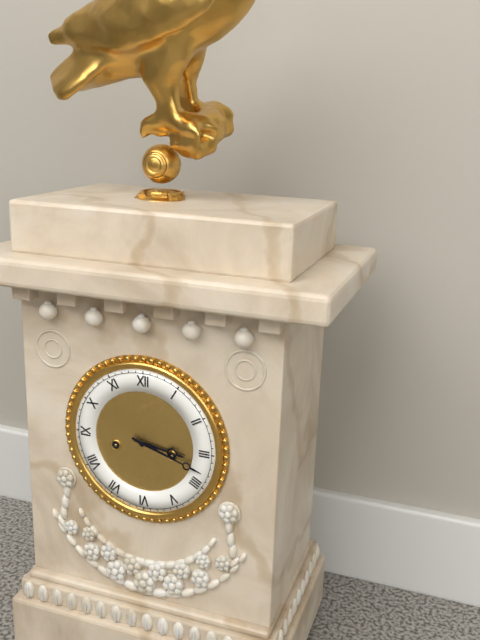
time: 3:18
